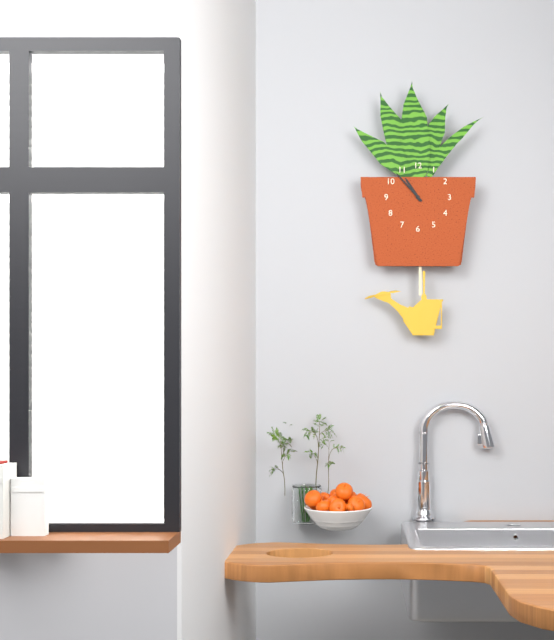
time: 10:53
